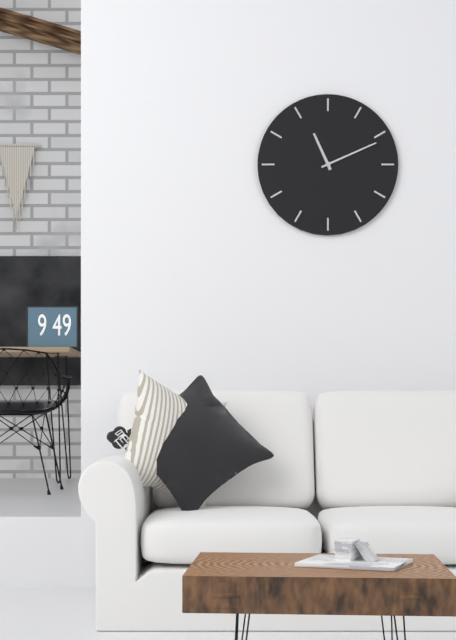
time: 11:11
